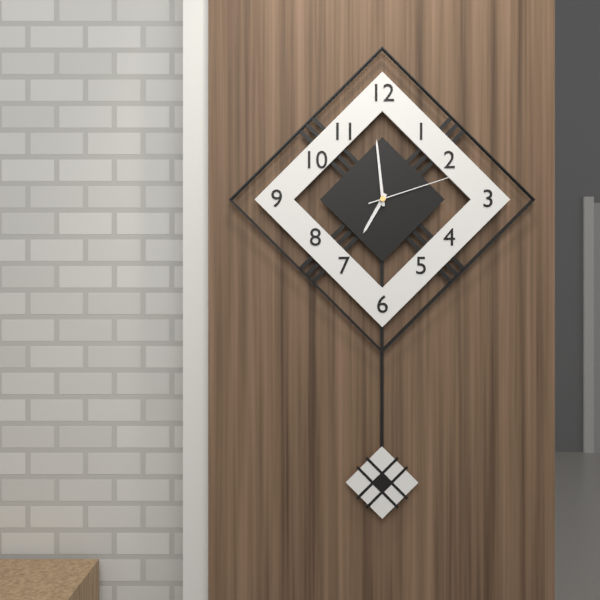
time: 6:59:12
